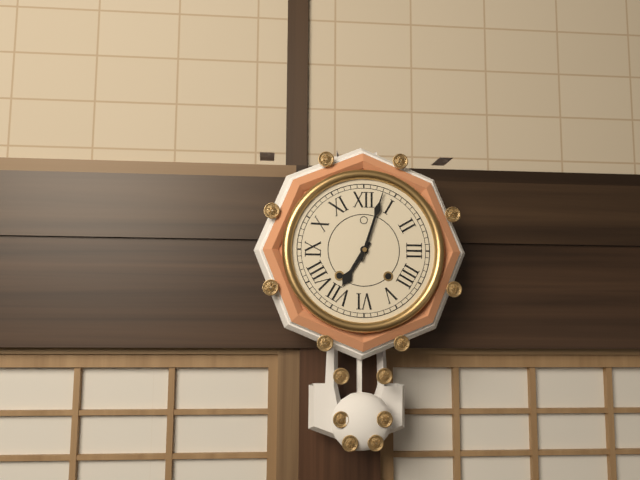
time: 7:03
